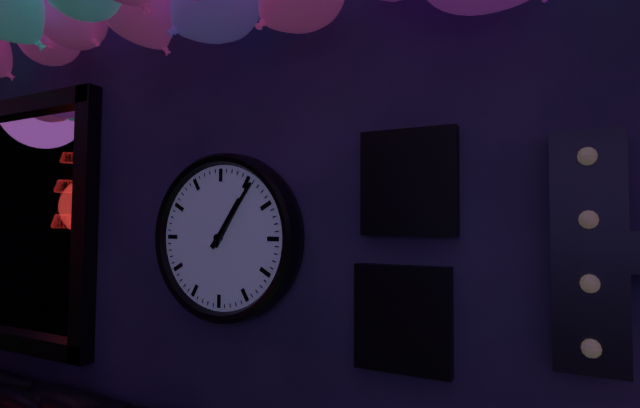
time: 1:06
